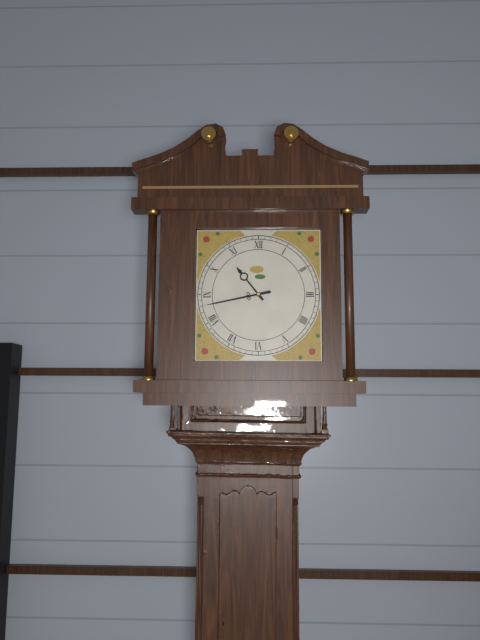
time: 10:43
